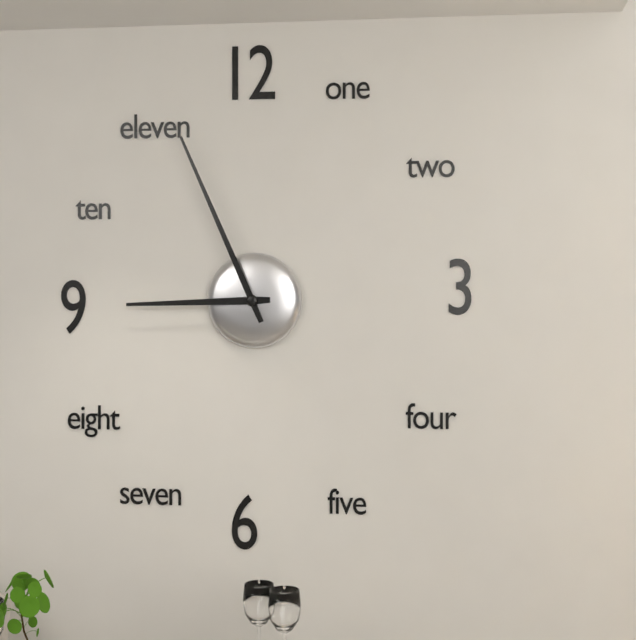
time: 8:56
